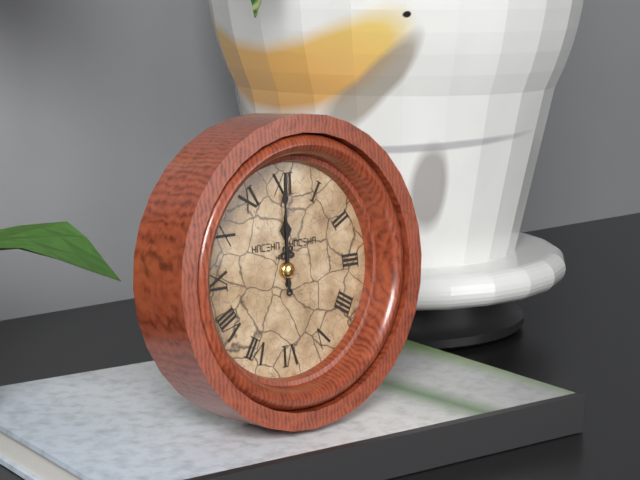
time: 12:00
